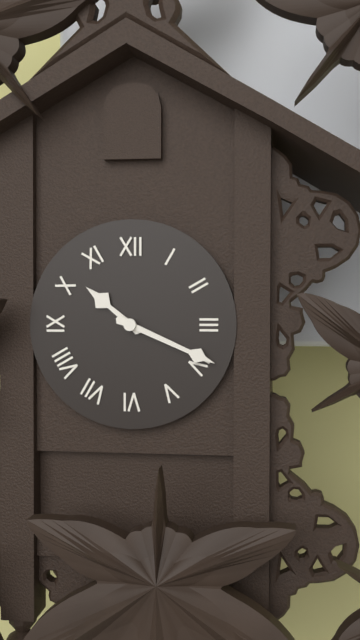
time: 10:19
